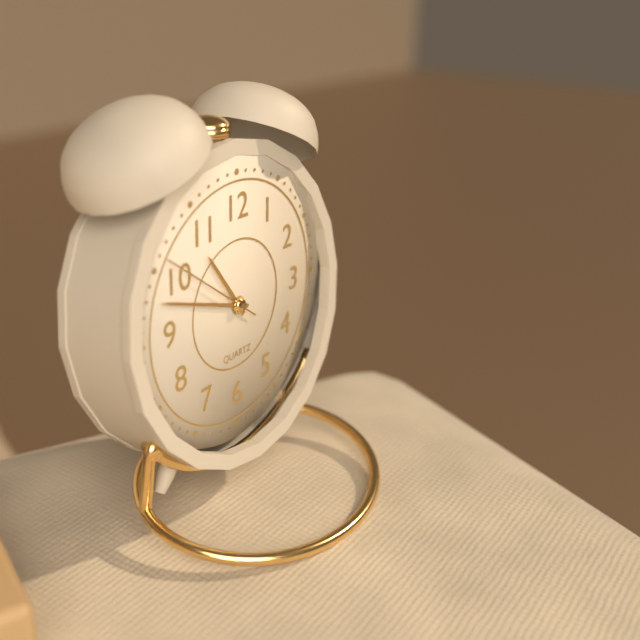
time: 10:48:51
